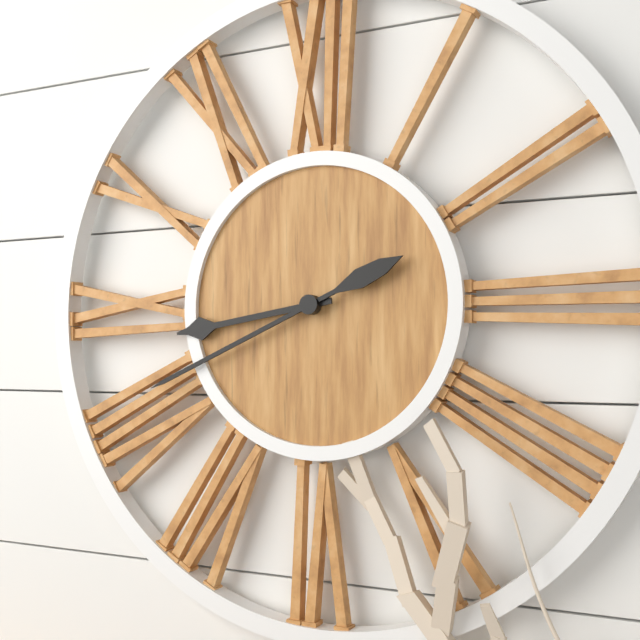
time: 8:41
